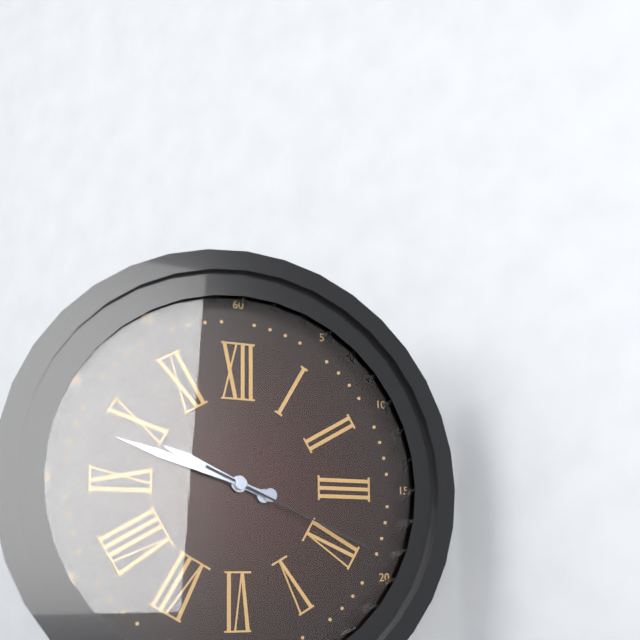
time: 9:48:19
